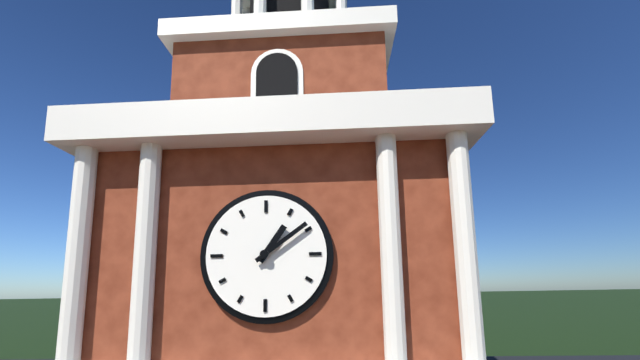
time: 1:09
